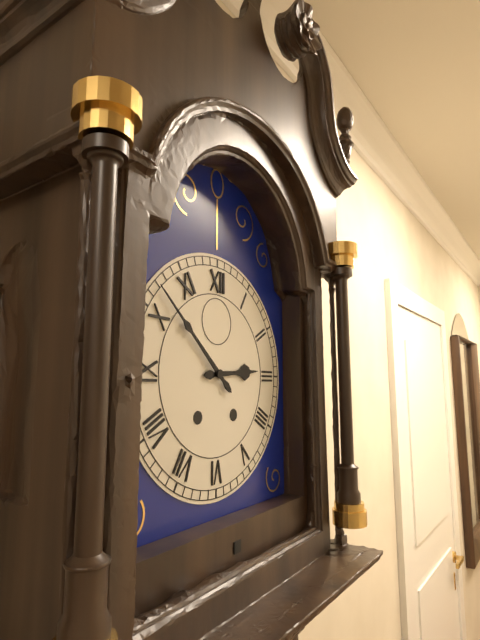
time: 2:52
